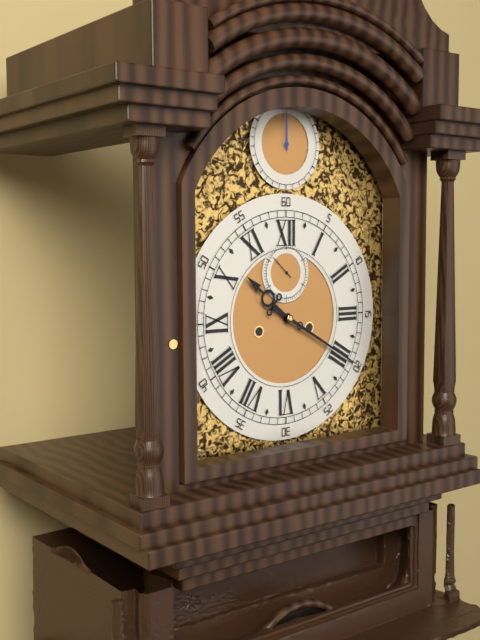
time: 10:20
